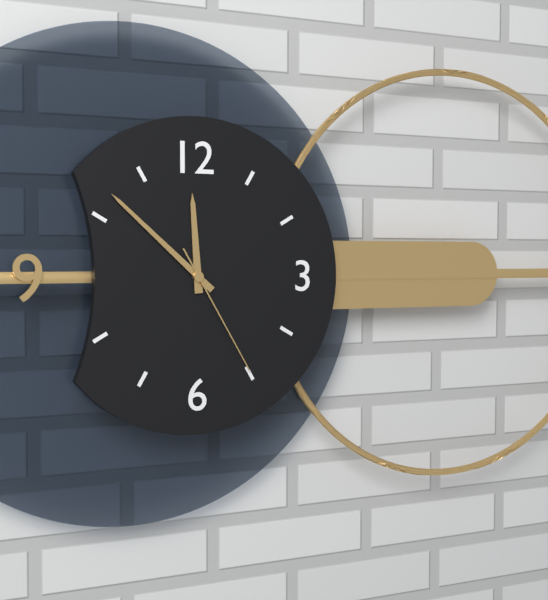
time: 11:52:25
